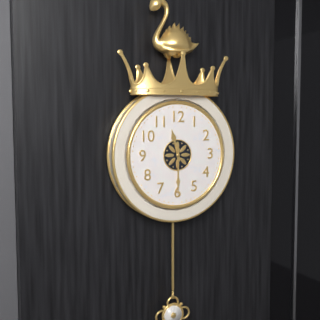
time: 11:30
